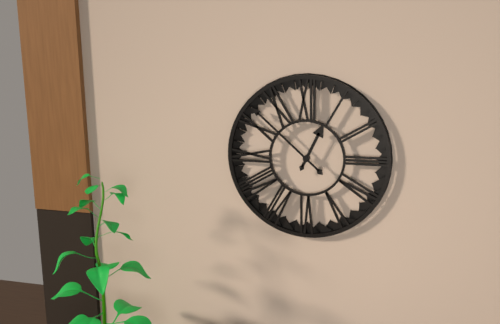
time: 12:52
